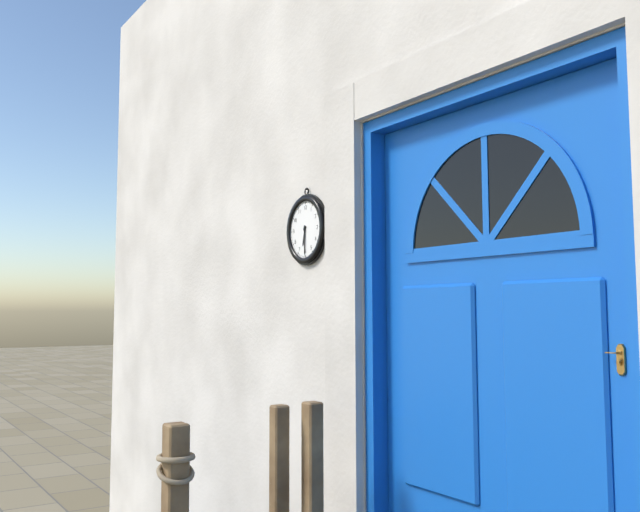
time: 6:30
